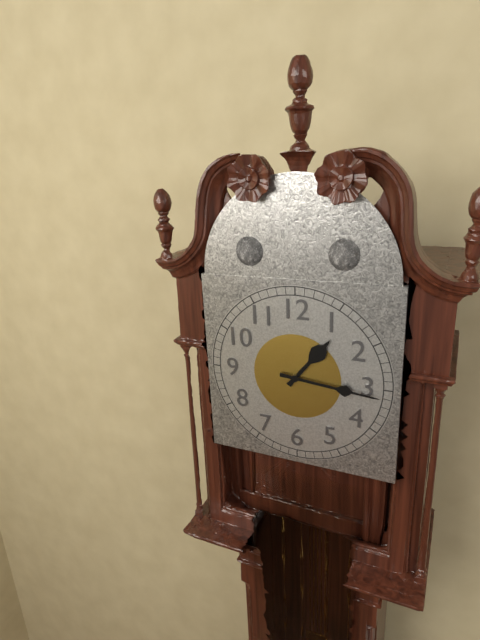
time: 1:16
